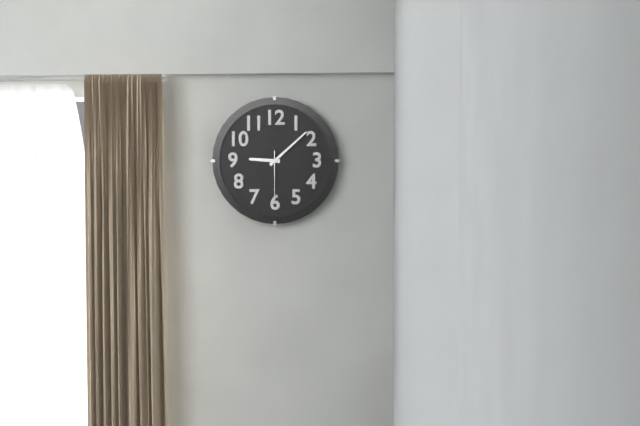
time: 9:08
